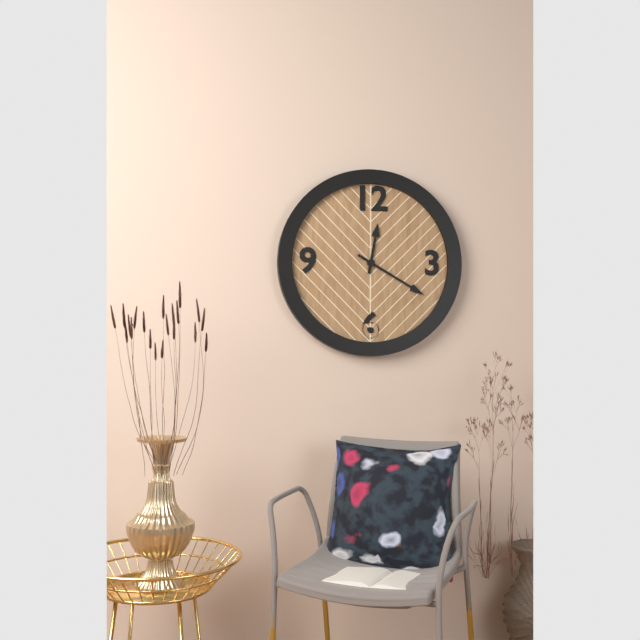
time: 12:20
